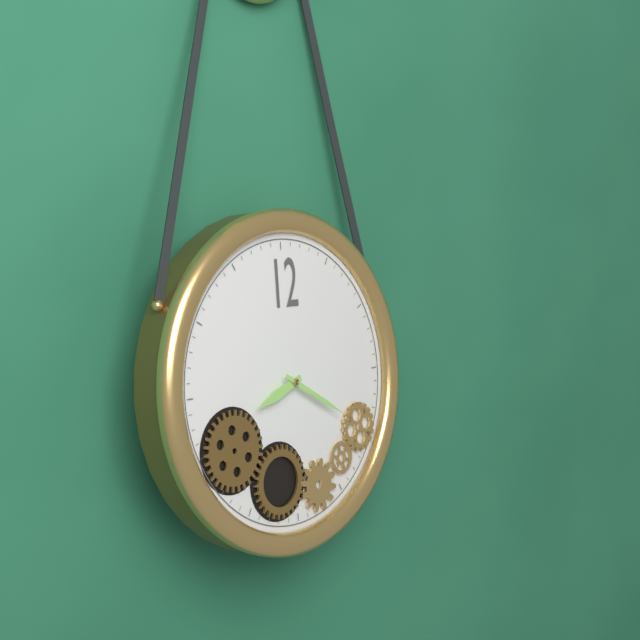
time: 8:20
